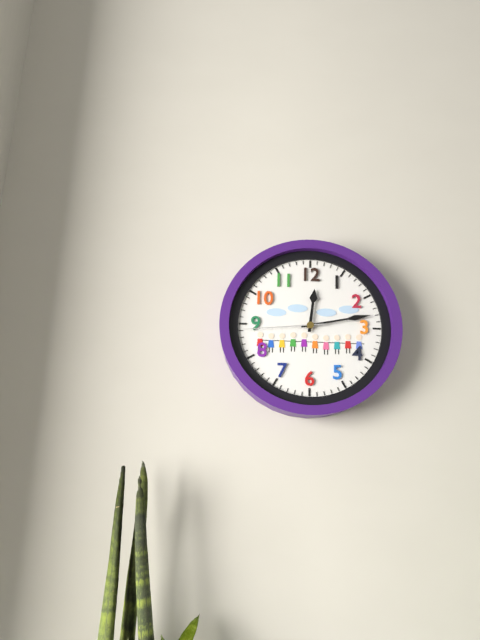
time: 12:13:44
